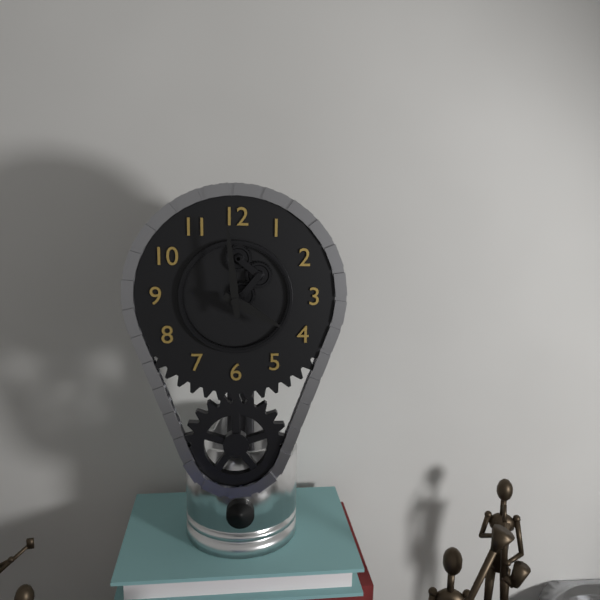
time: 3:59
